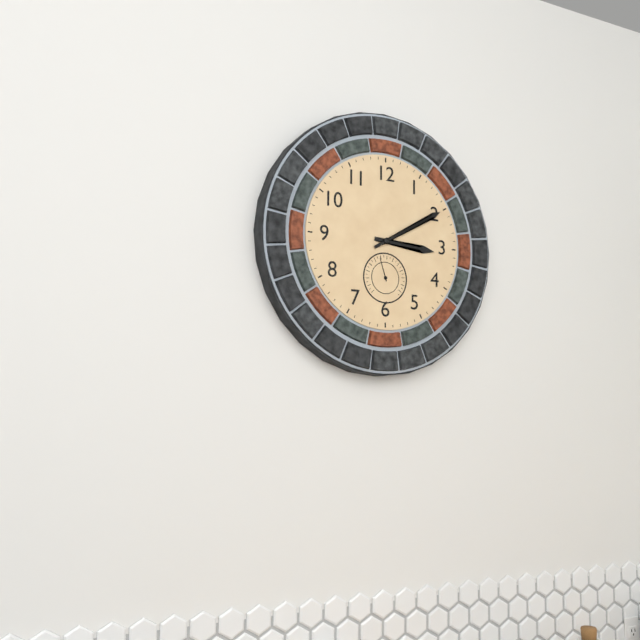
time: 3:10
